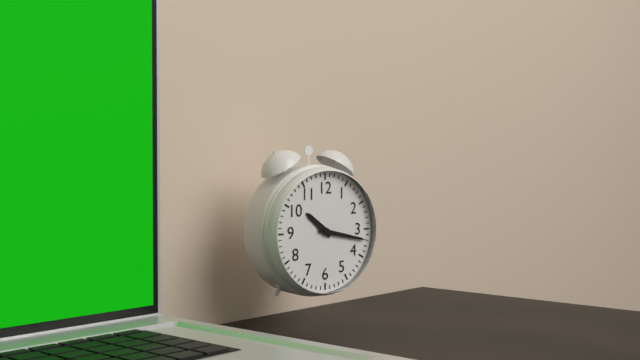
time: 10:17
